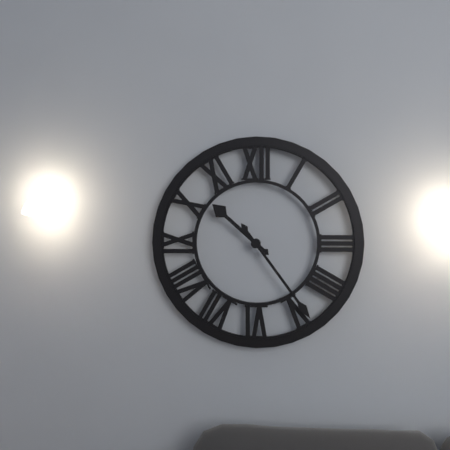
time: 10:24
